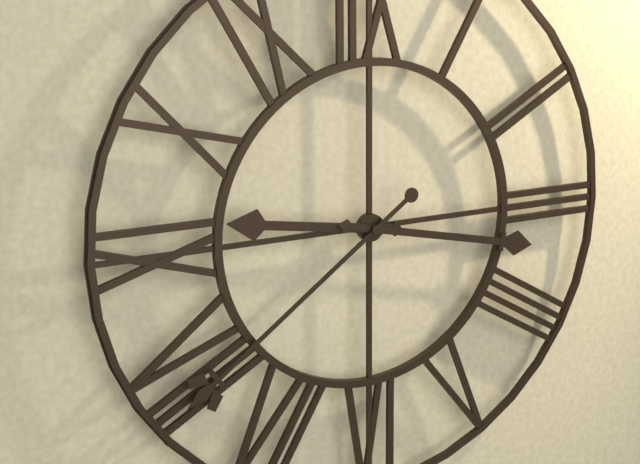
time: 9:17:39
